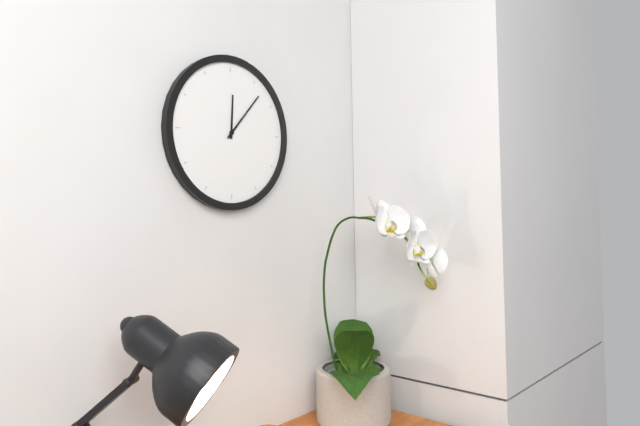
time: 12:07
